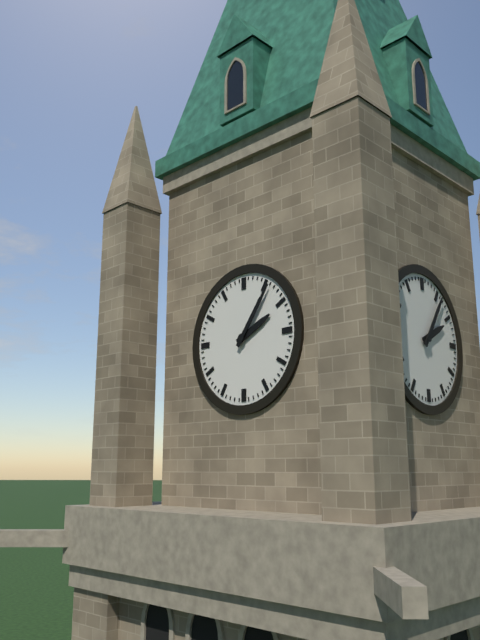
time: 2:06
